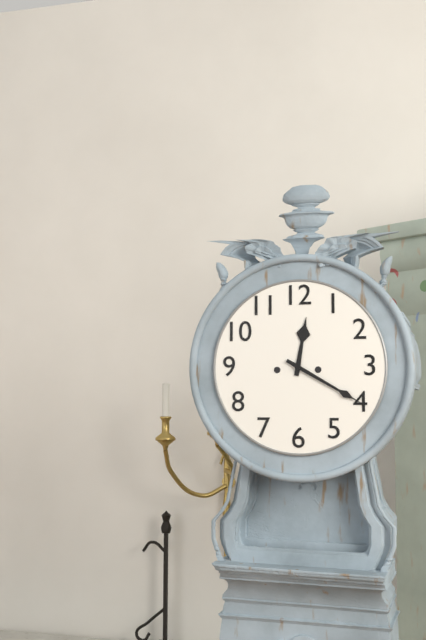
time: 12:20
